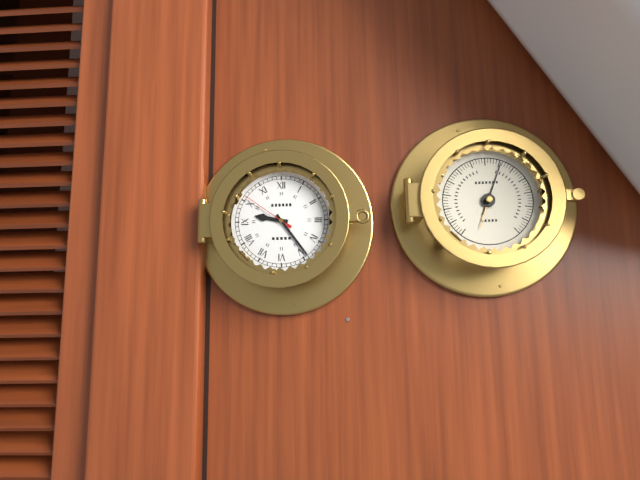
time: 9:24:51
